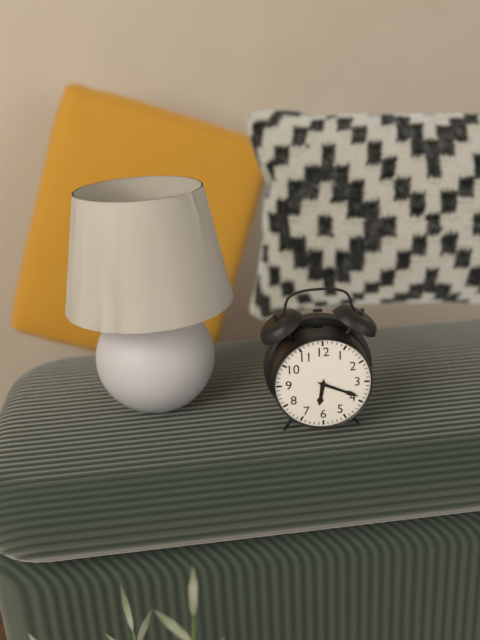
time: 6:19
